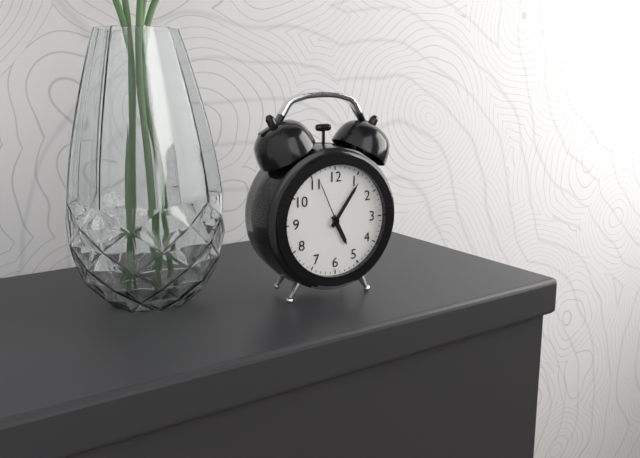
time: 5:06:56
